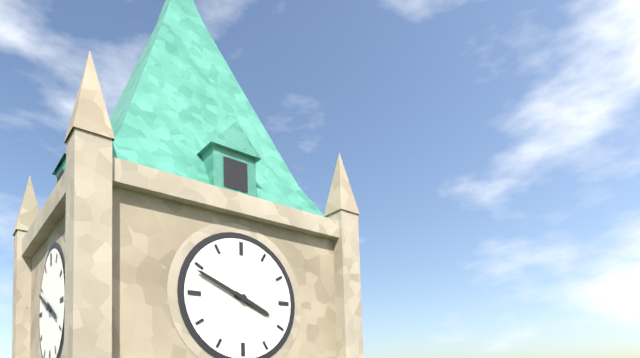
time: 3:49
